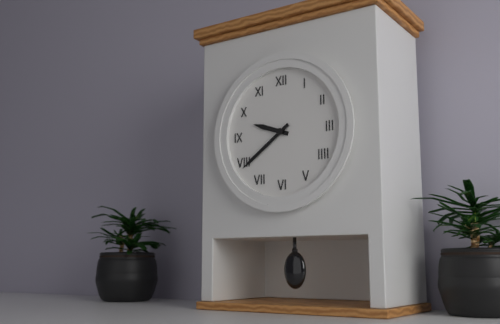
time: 9:39
